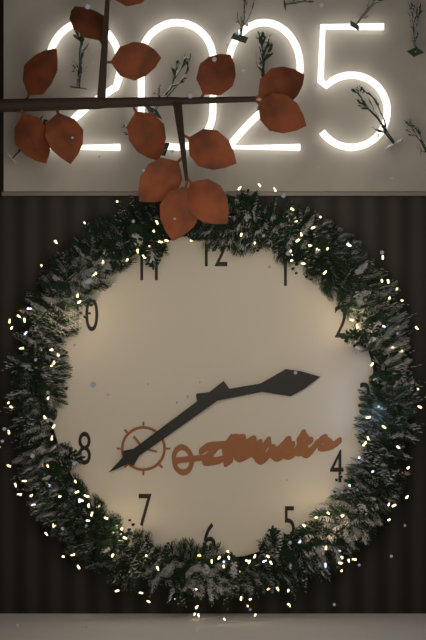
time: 2:39
